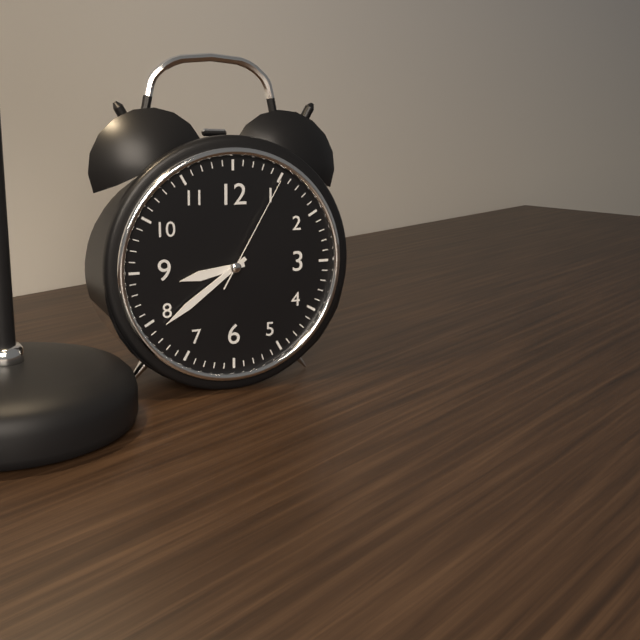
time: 8:39:05
